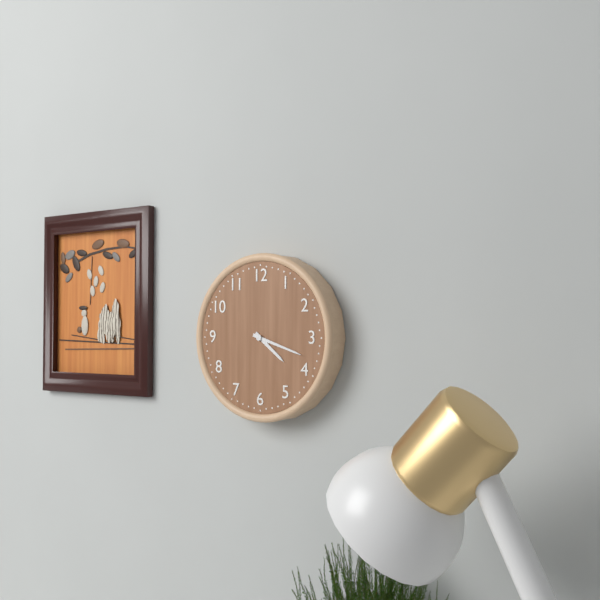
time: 4:18
